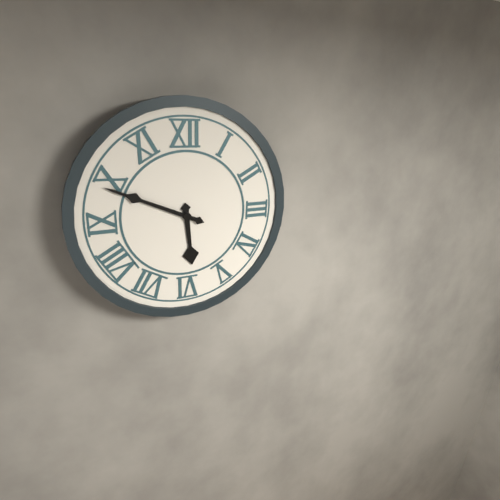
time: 5:49
